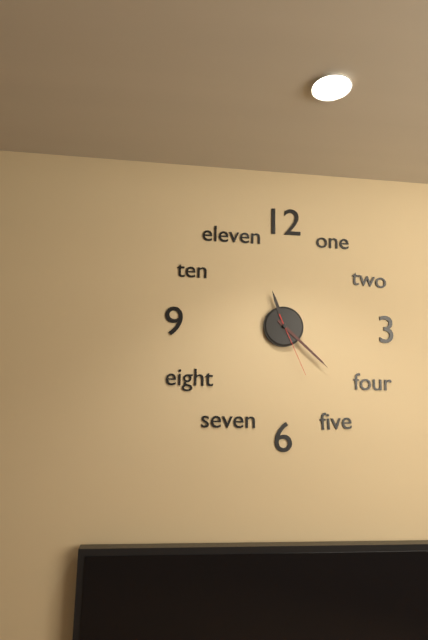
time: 11:22:26
